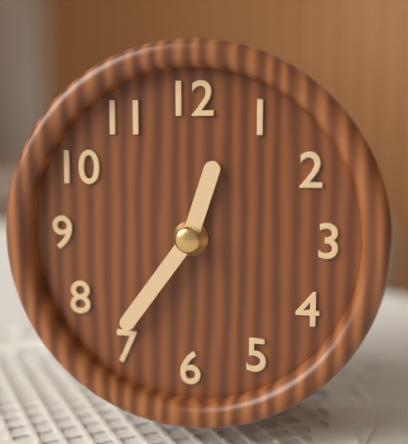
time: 12:36
